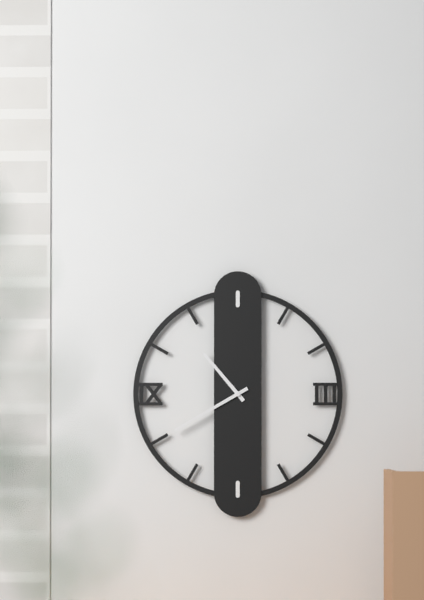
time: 10:40
